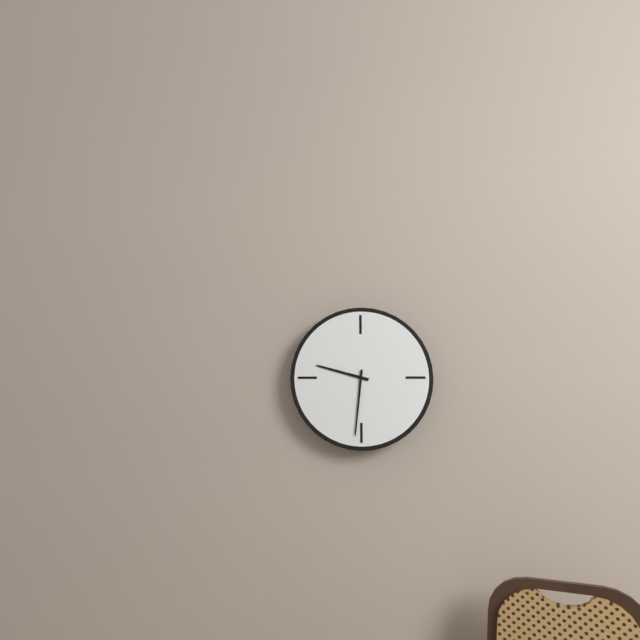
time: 9:31
